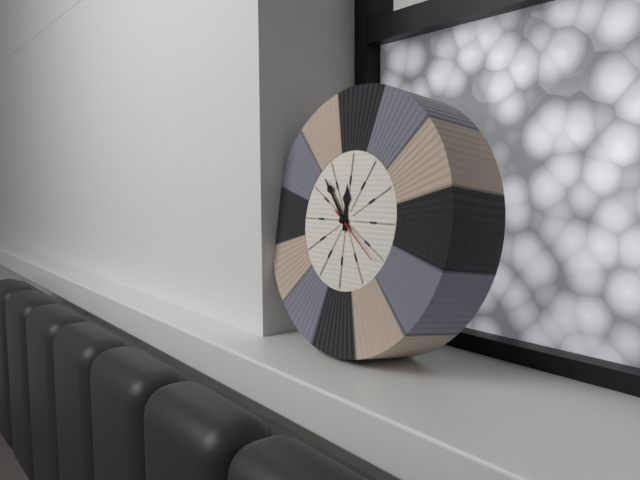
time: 11:53
